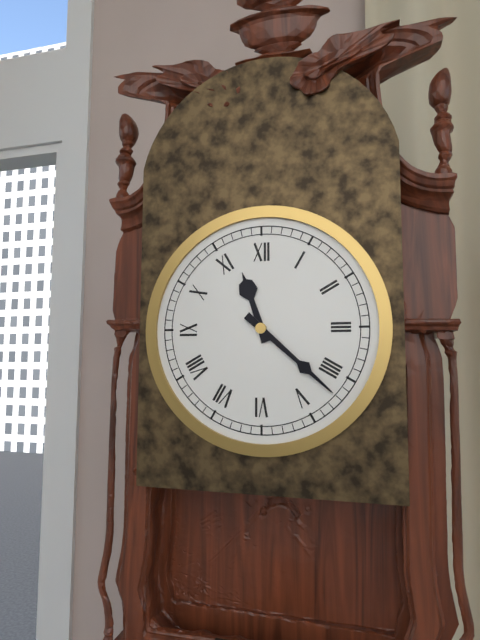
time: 11:22
